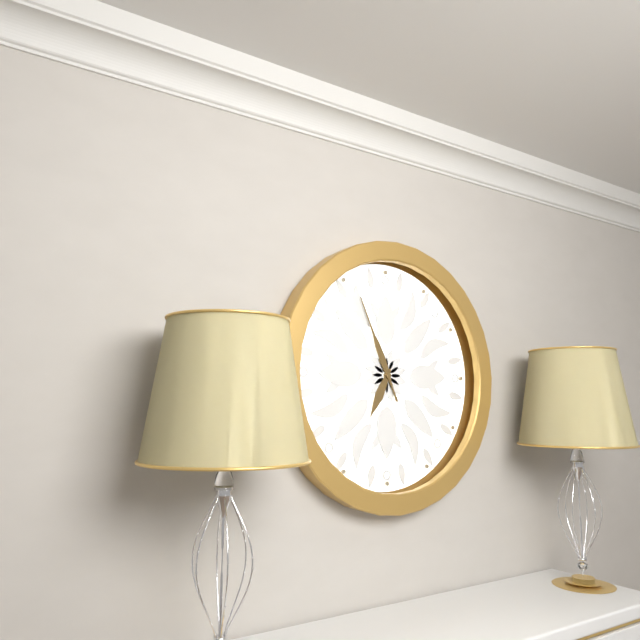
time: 6:56
